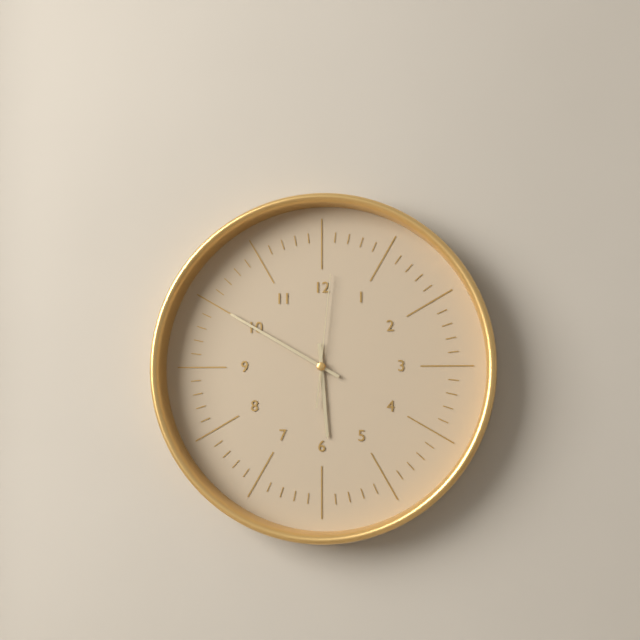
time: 5:50:01
